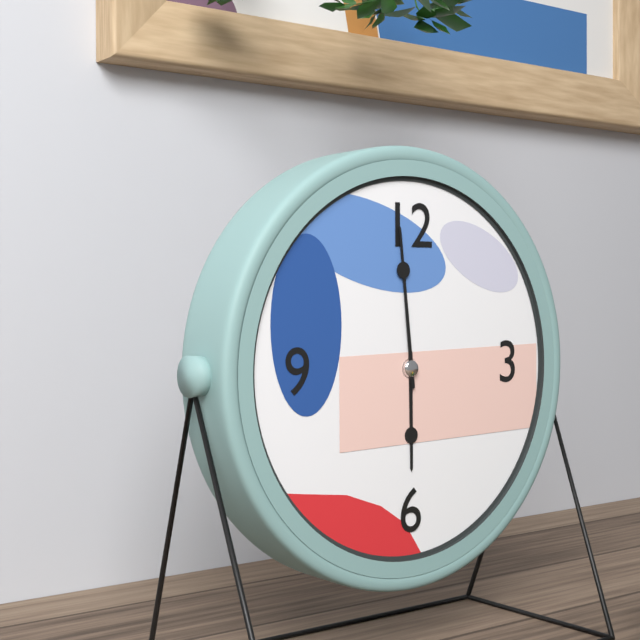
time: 5:59
